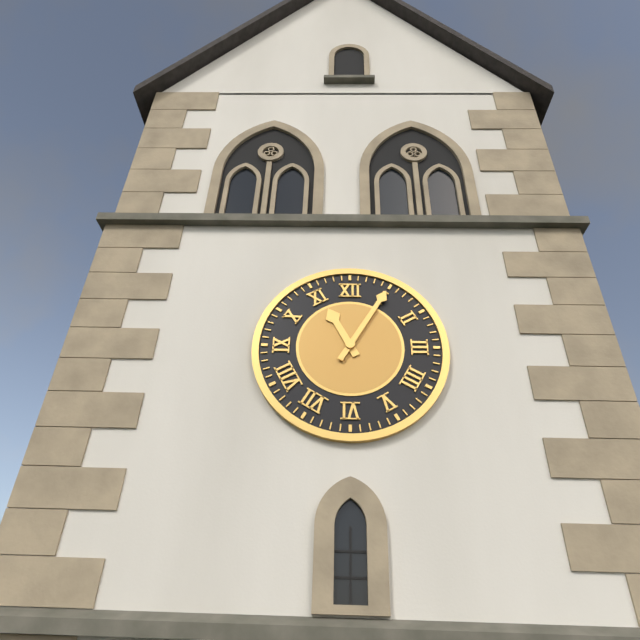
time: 11:05
